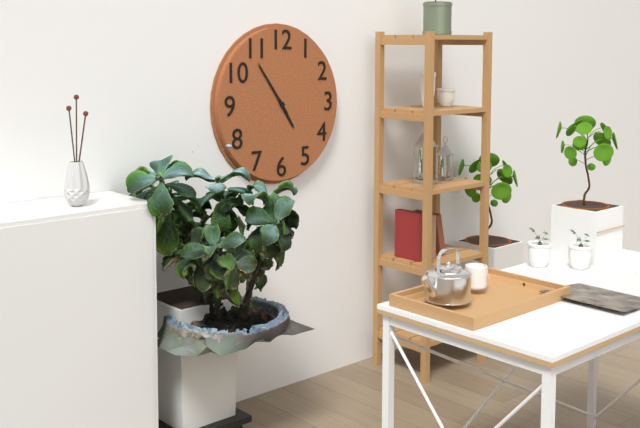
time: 4:54
